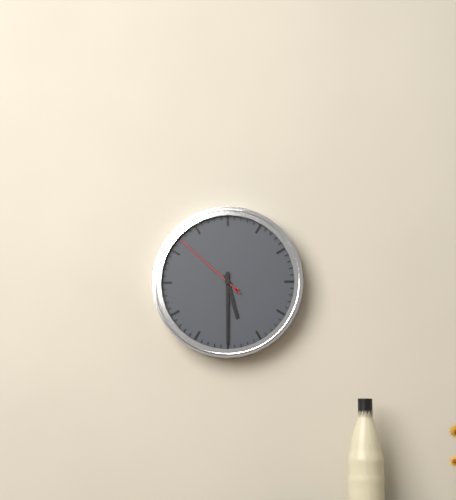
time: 5:30:52
